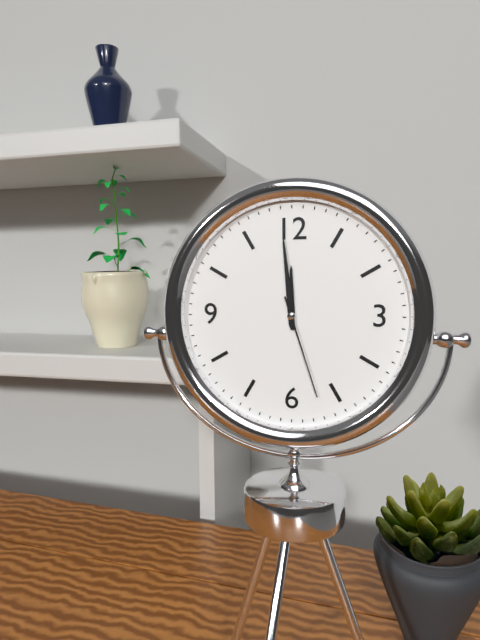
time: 11:59:27
